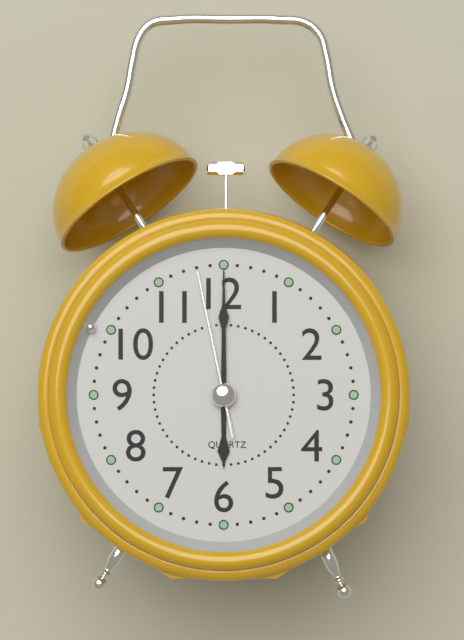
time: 6:00:58
